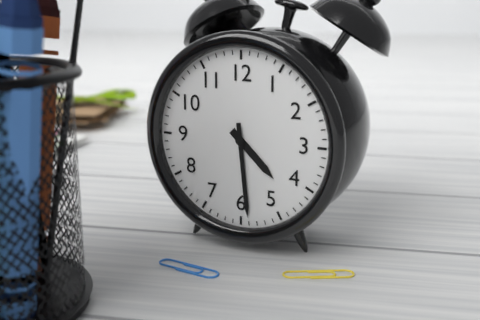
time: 4:29
